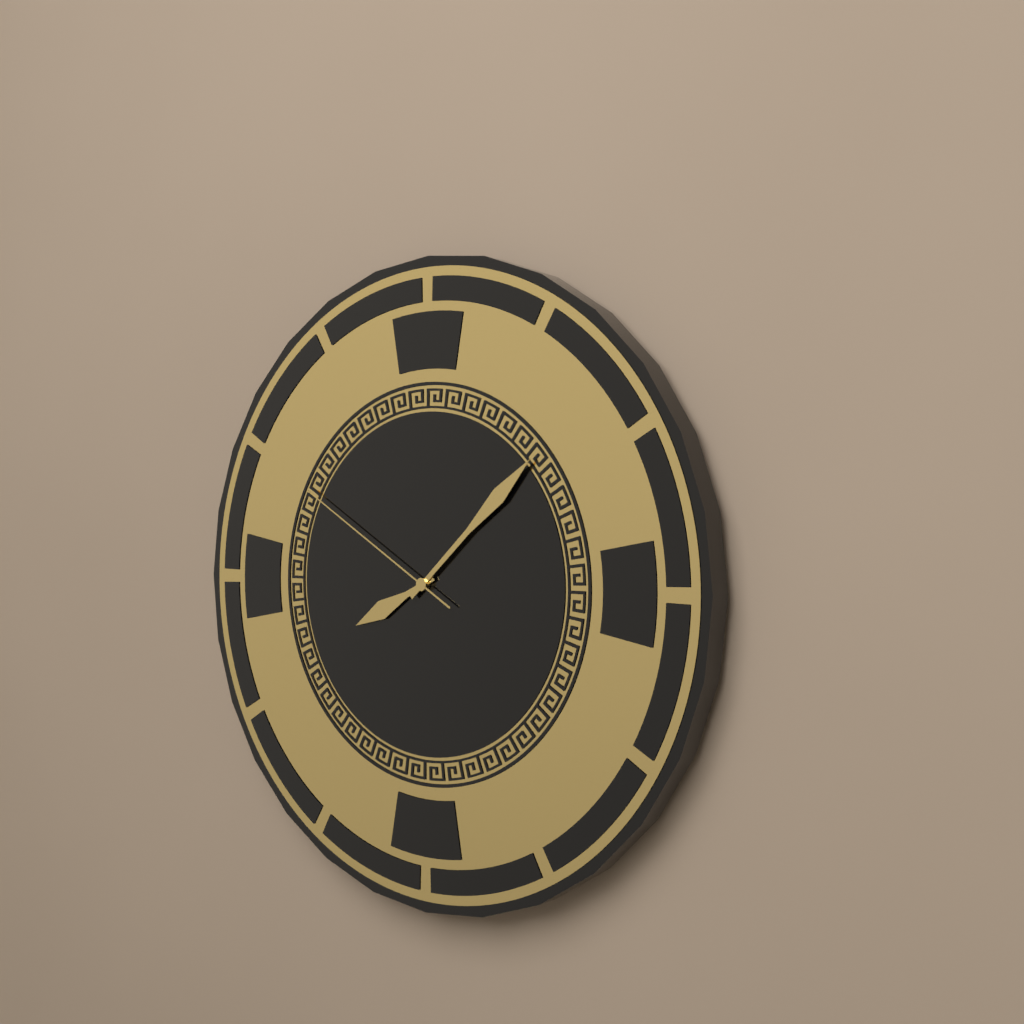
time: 8:08:50
